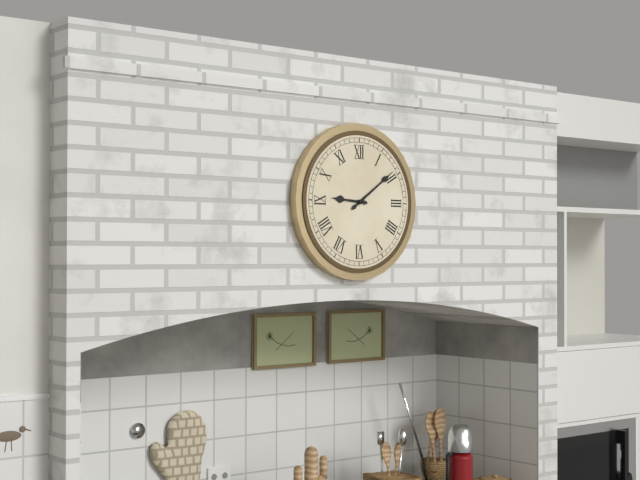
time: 9:09
